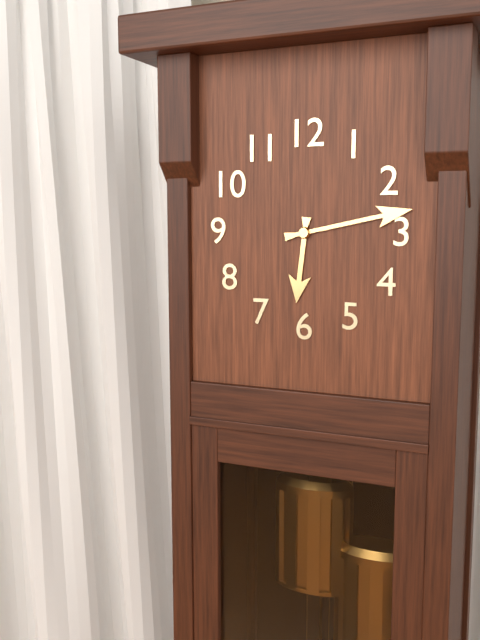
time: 6:13
